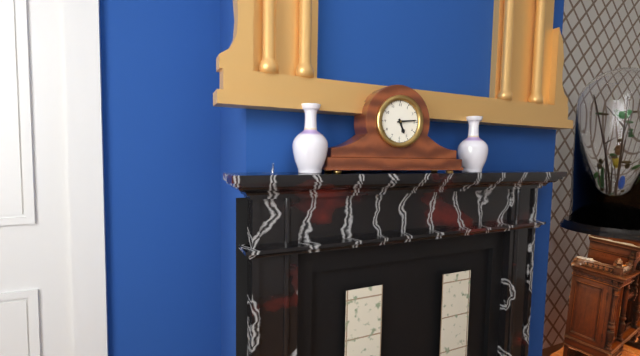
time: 5:14
